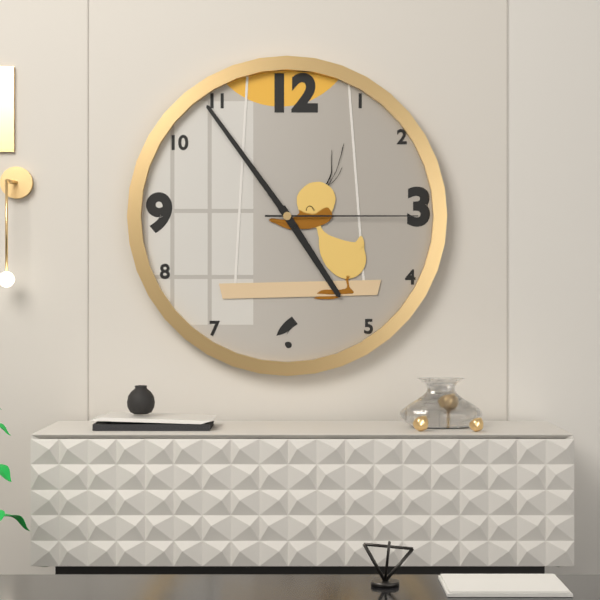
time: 4:54:15
